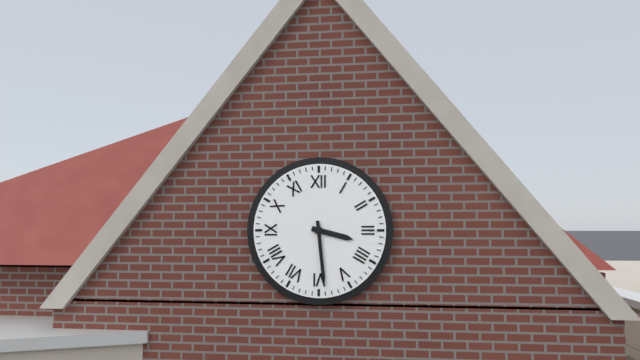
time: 3:29
